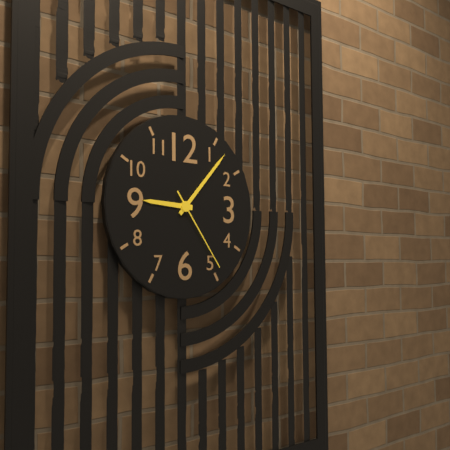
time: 9:07:24
